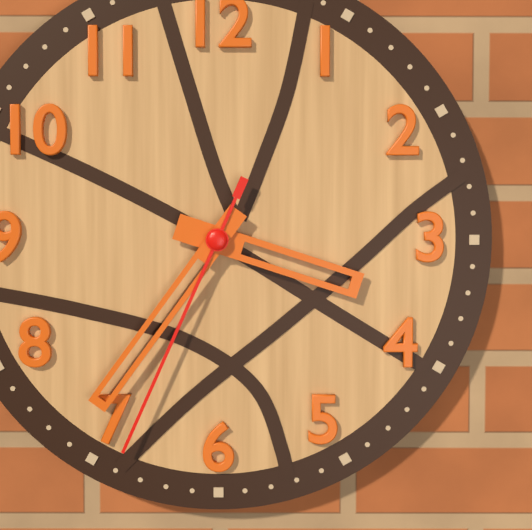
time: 3:36:34
